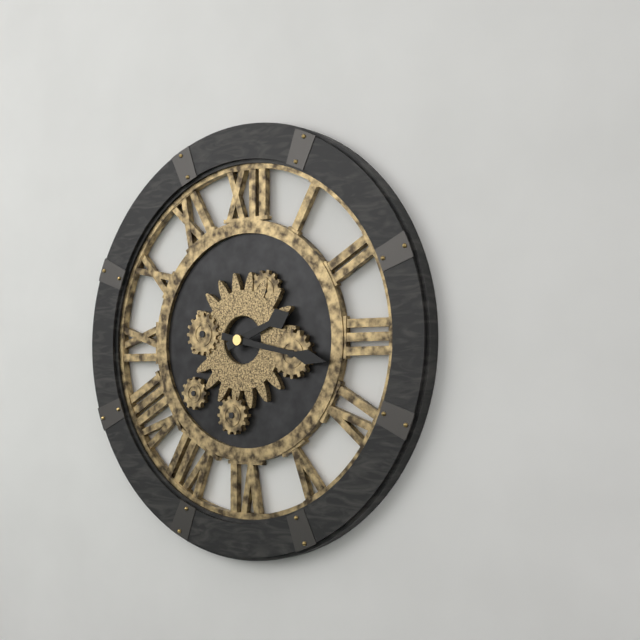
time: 2:17
